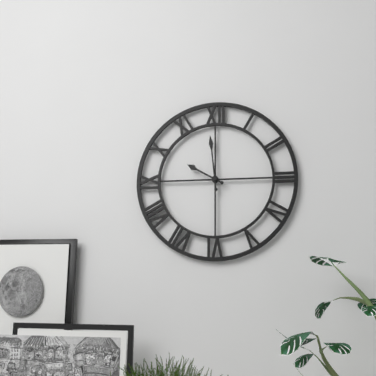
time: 9:59
